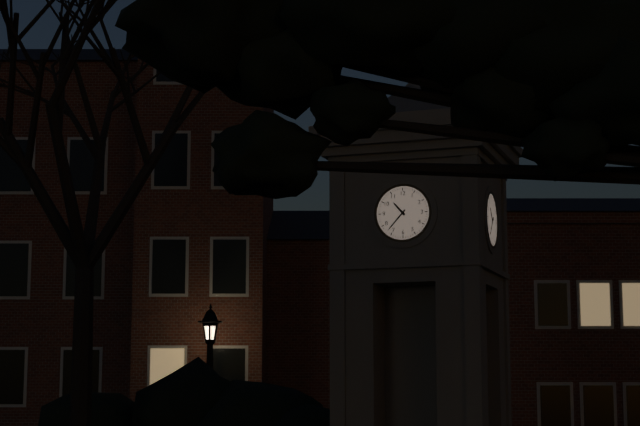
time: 10:37
